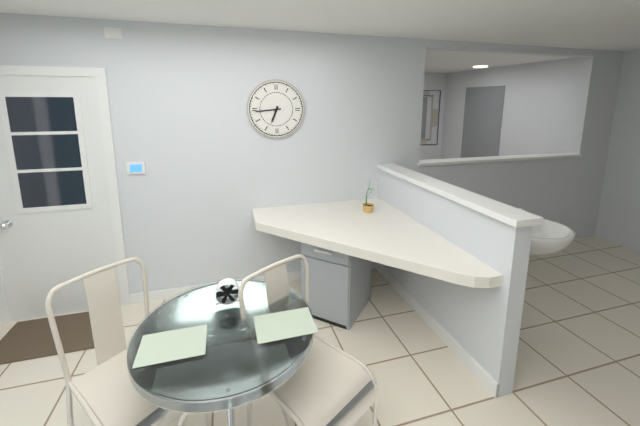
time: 6:44
